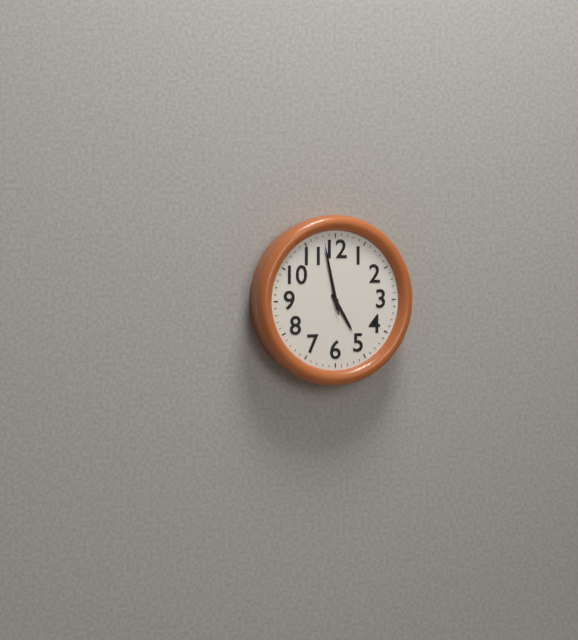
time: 4:58:58
